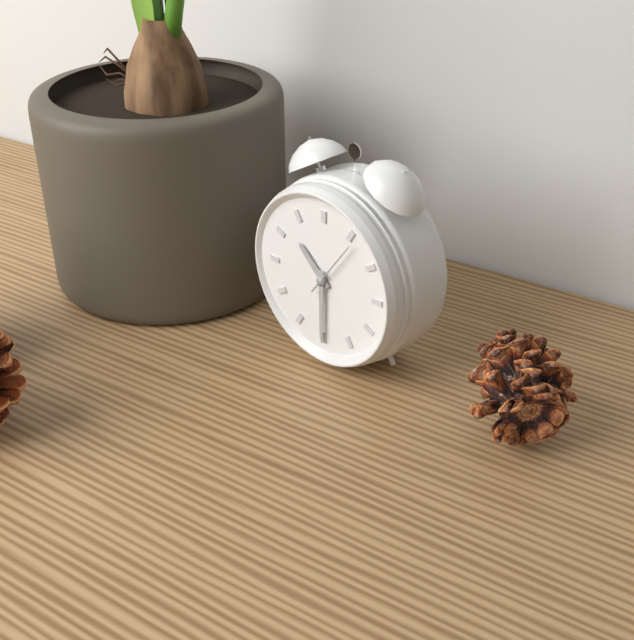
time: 10:30:06
